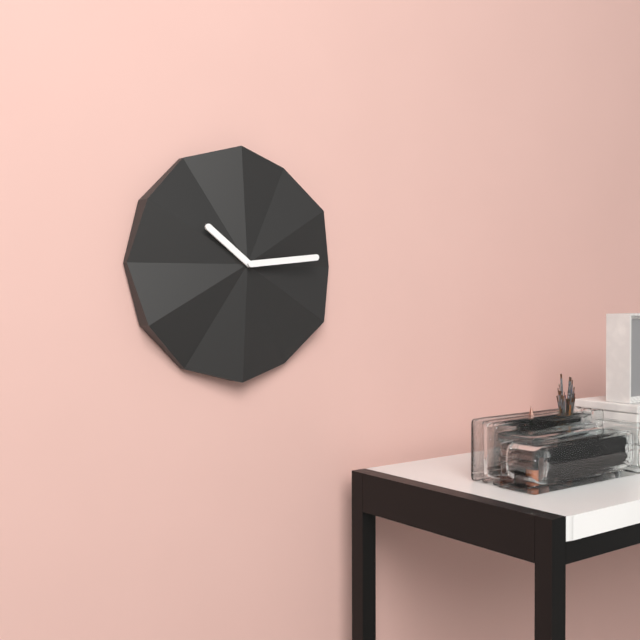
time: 10:14
